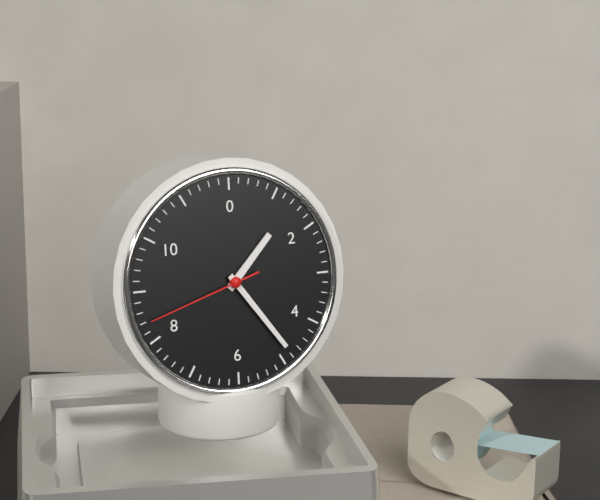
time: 1:24:42
